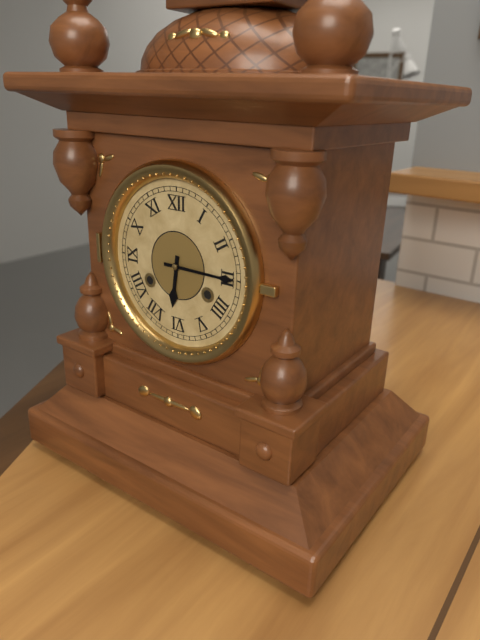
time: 6:15
